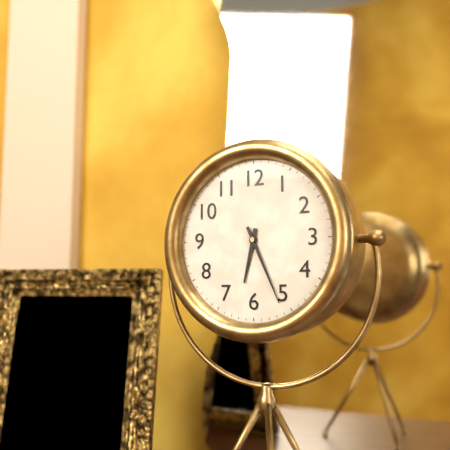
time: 6:26
